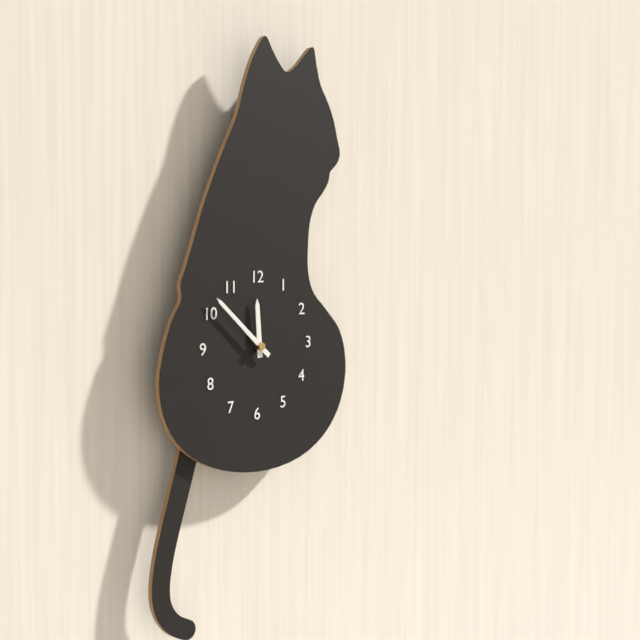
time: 11:52
